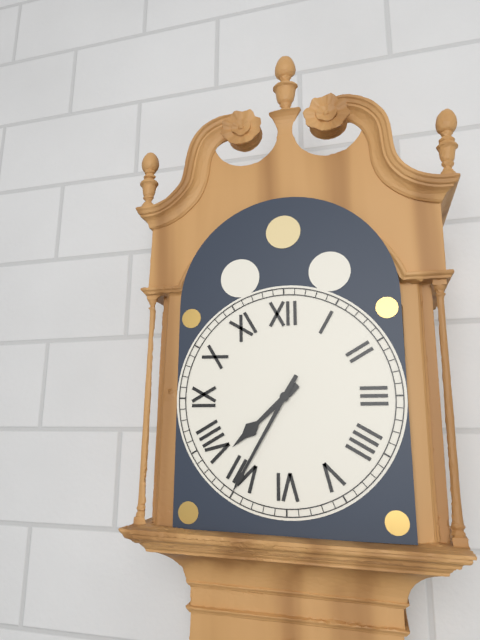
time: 7:35
